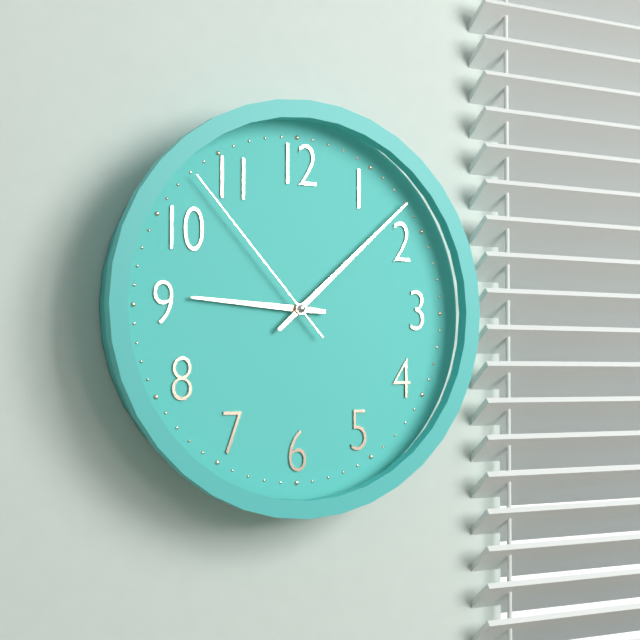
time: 9:08:53
